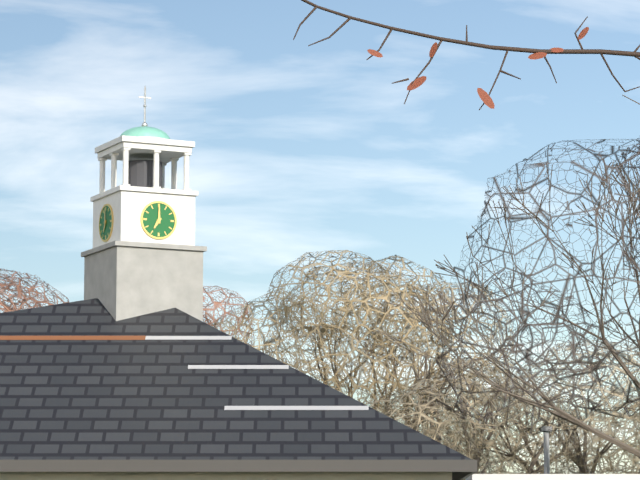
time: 7:00
